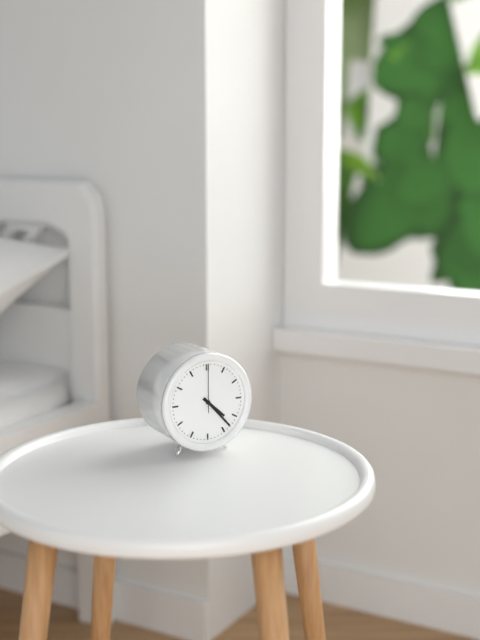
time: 4:23
